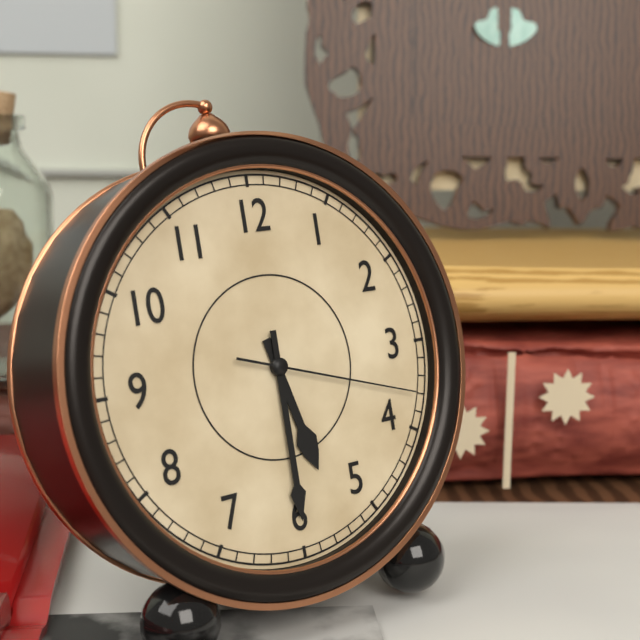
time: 5:30:18
